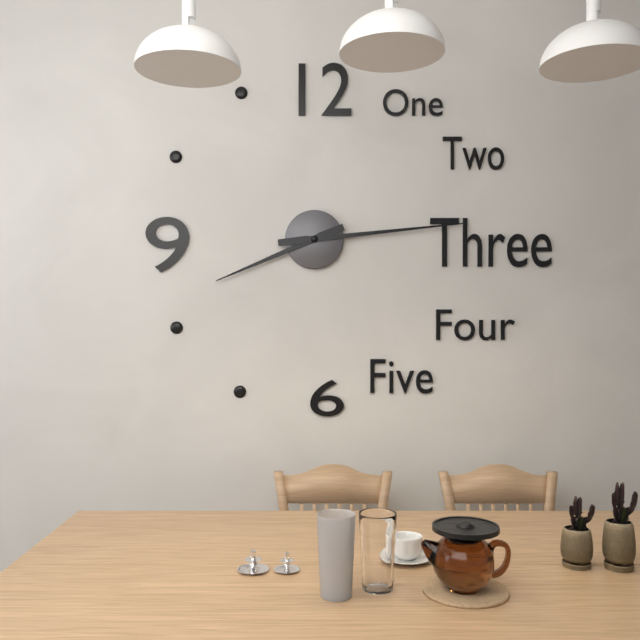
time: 8:14
